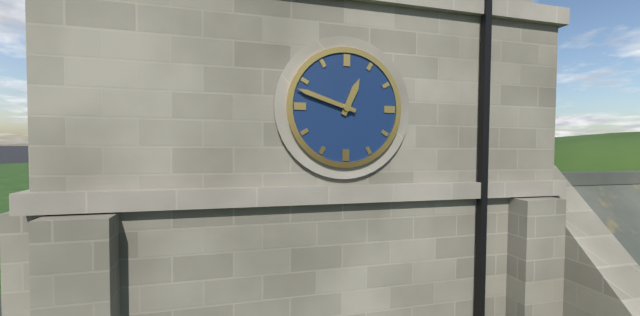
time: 12:48
